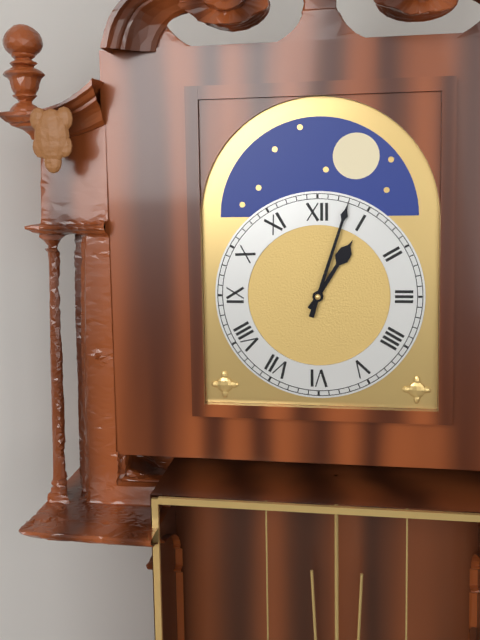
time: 1:03
